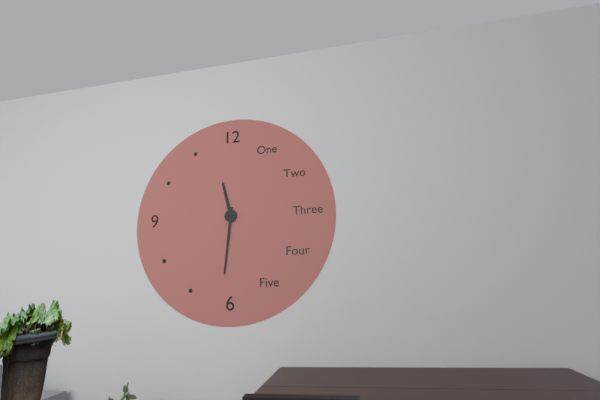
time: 11:31
